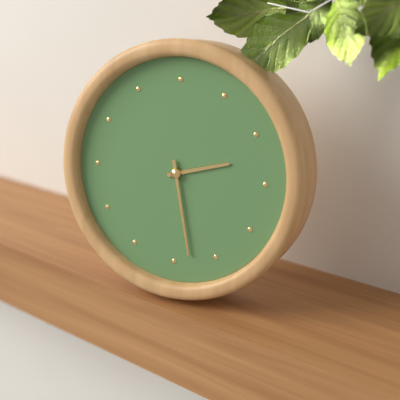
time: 2:28
